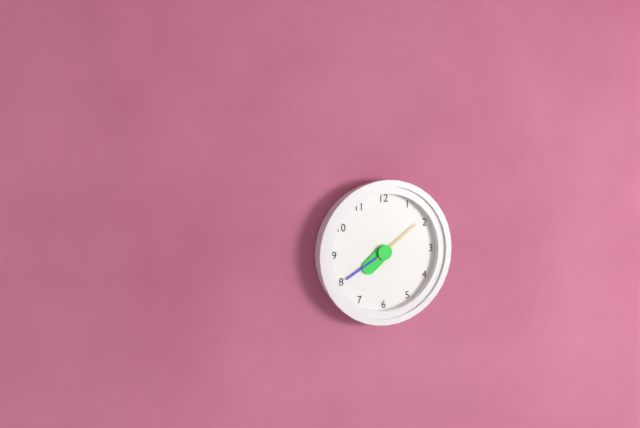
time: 7:40:09
